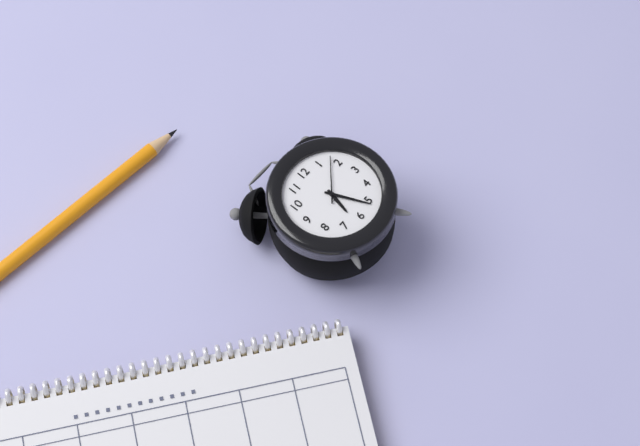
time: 6:26
